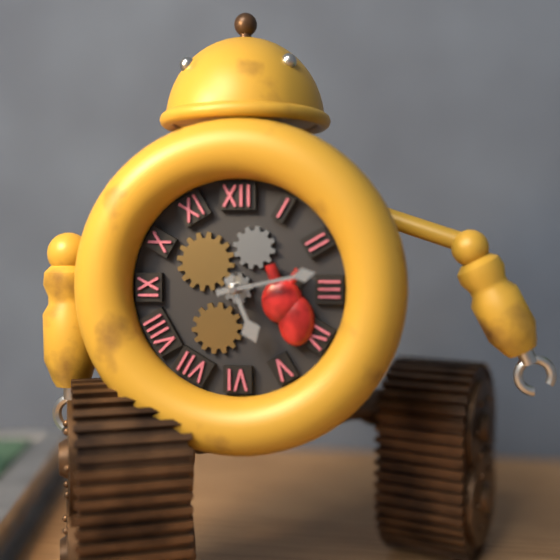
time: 5:13
